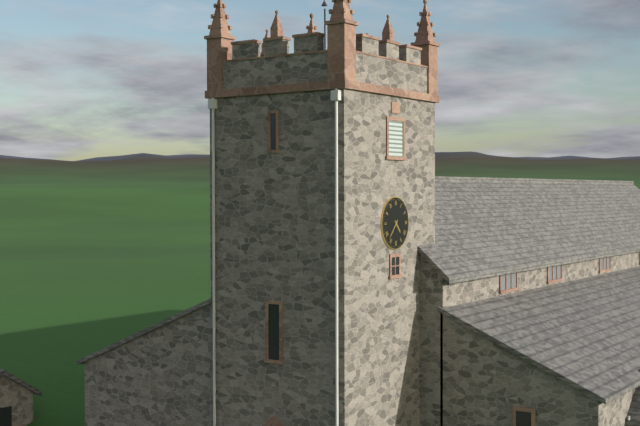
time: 4:37
